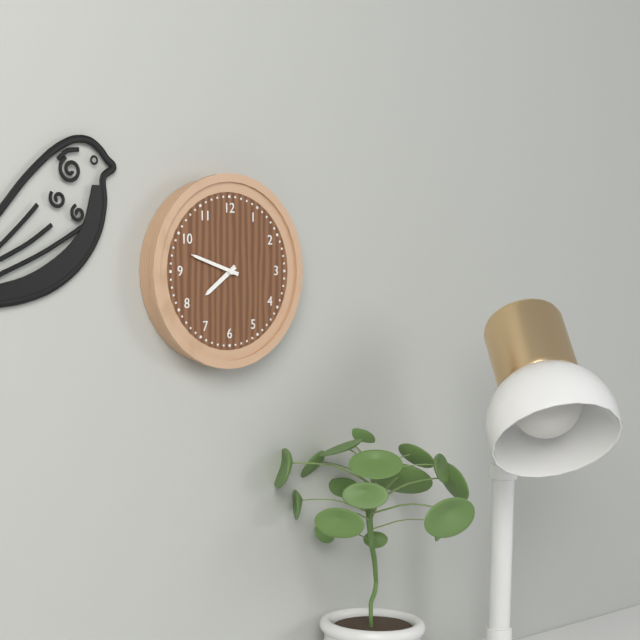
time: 7:48
